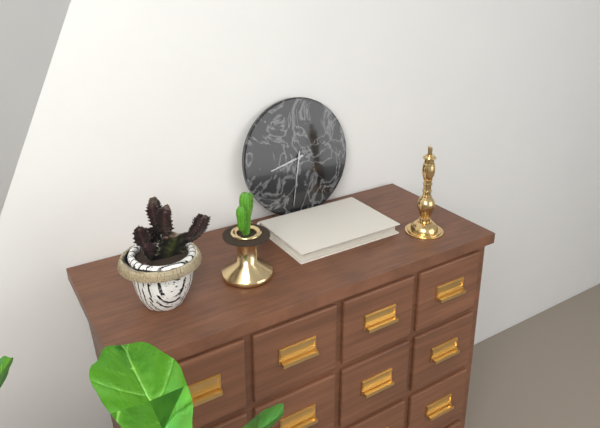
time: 8:32
